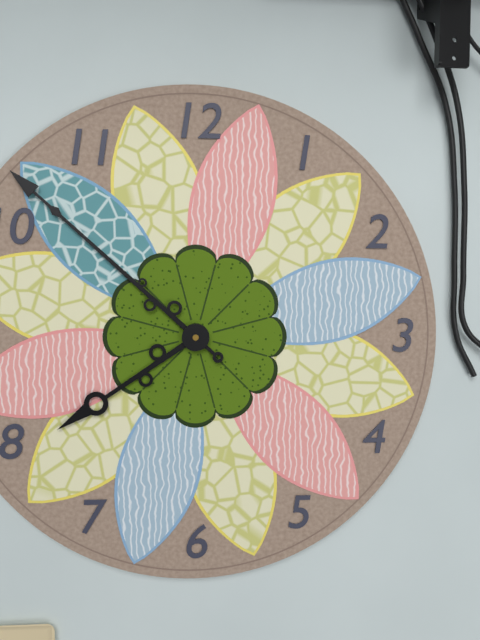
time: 7:52
